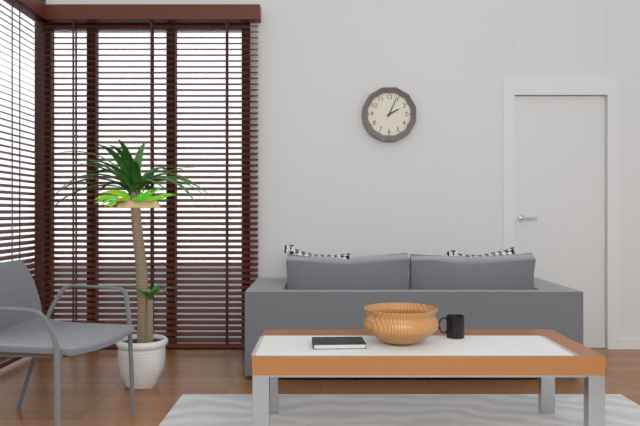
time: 2:04
